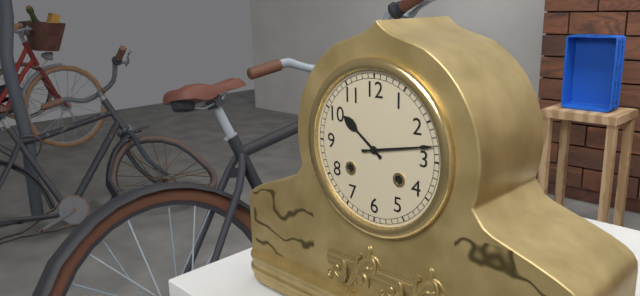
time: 10:13
